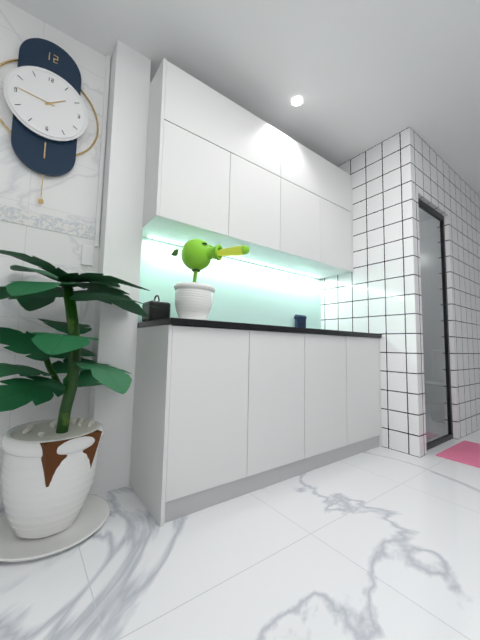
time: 1:46
